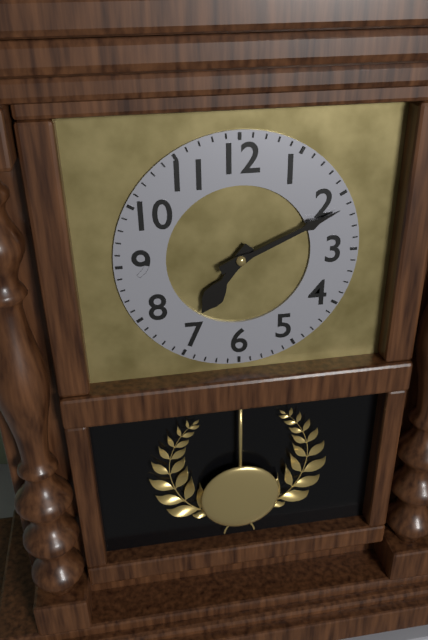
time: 7:11
